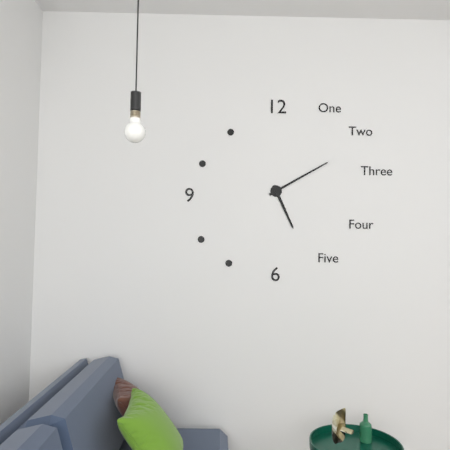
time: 5:10
